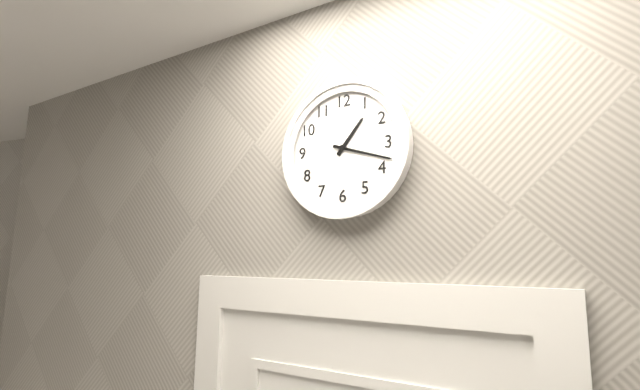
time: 1:18
